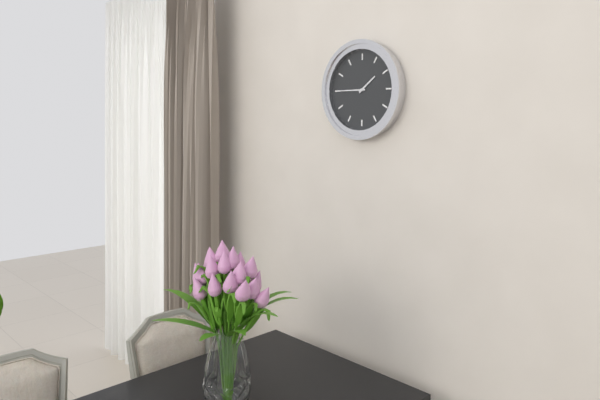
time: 1:45
